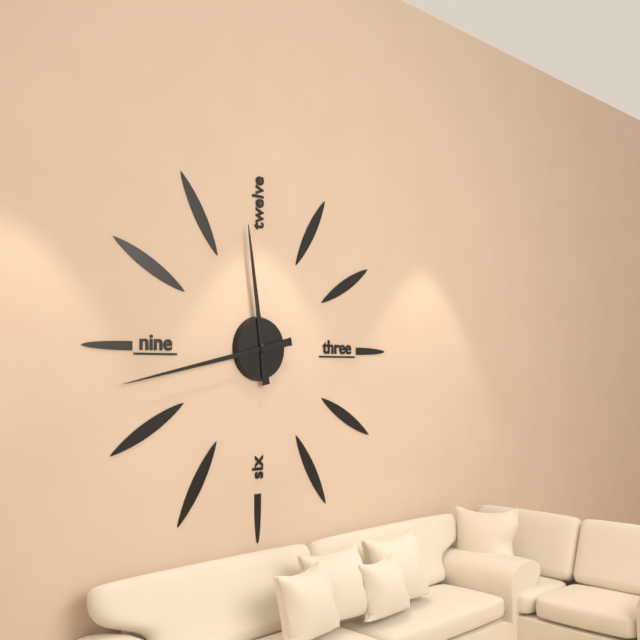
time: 11:43
